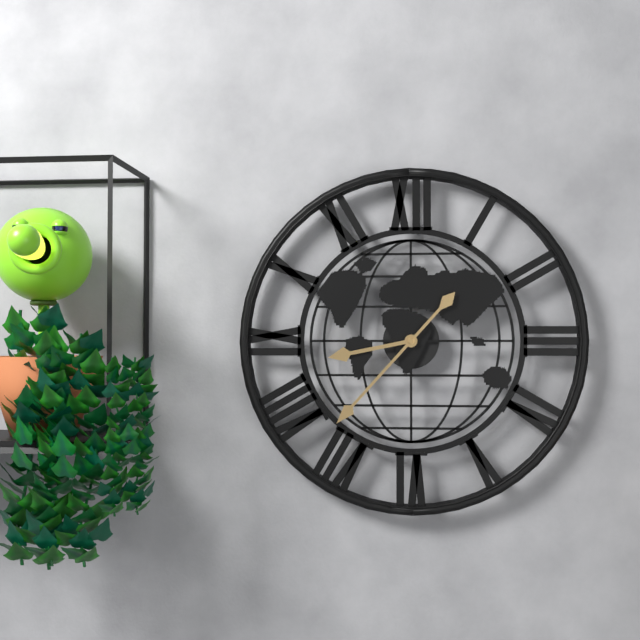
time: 8:37
